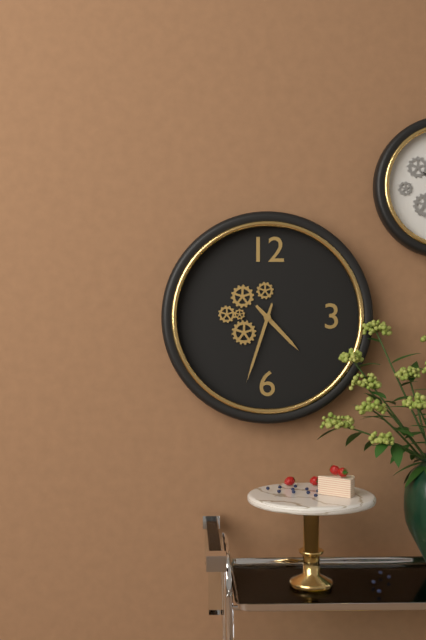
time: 4:33
